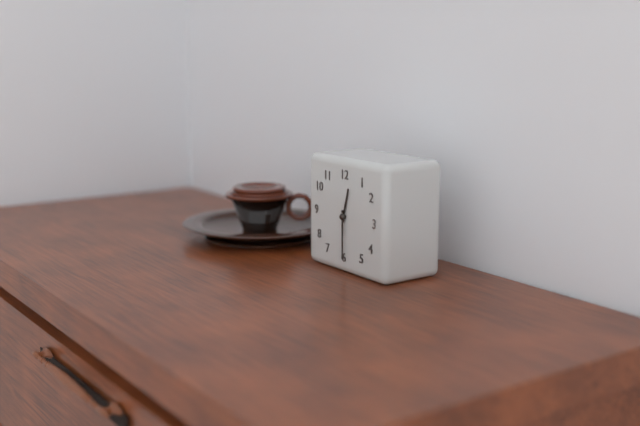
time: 12:30
